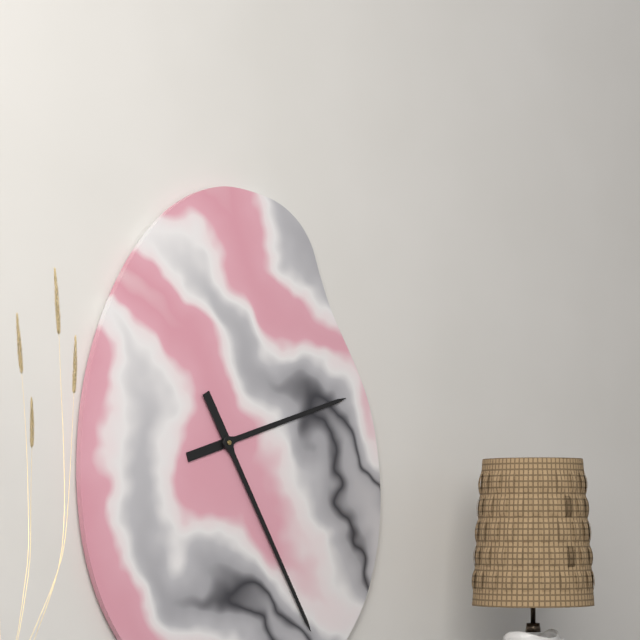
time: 2:25
